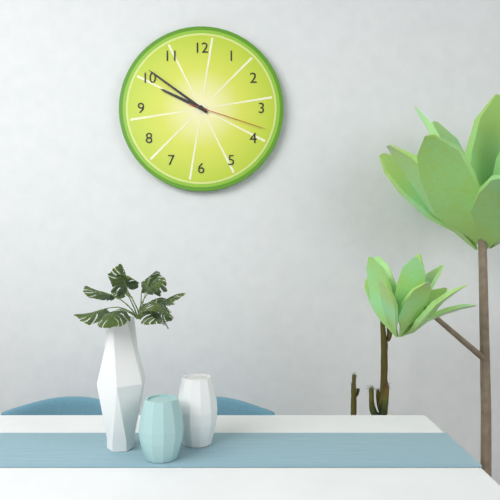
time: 9:51:18
